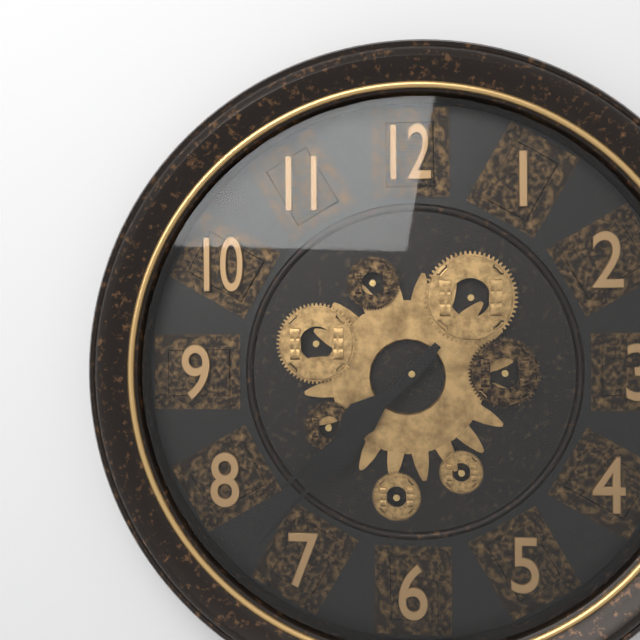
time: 7:37
